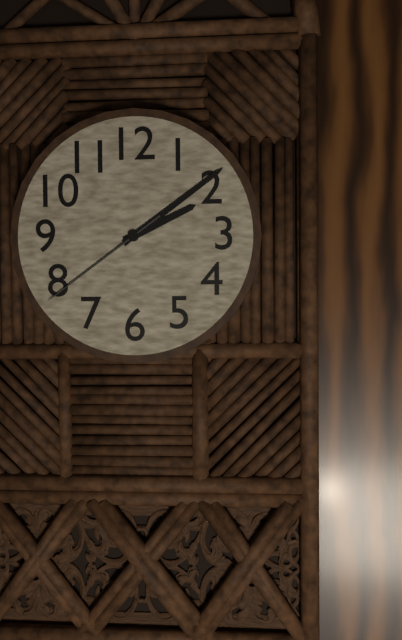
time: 2:09:39
